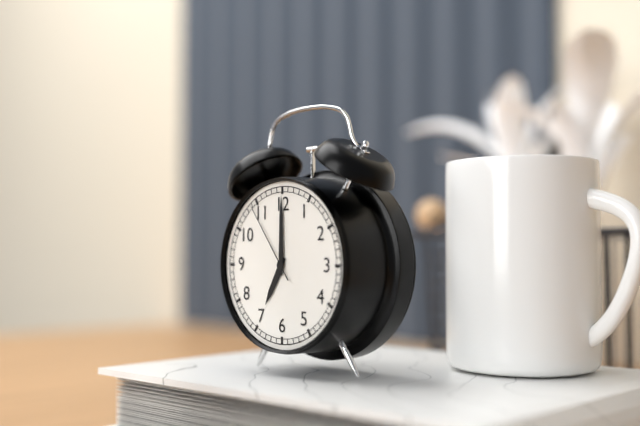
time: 7:00:54
